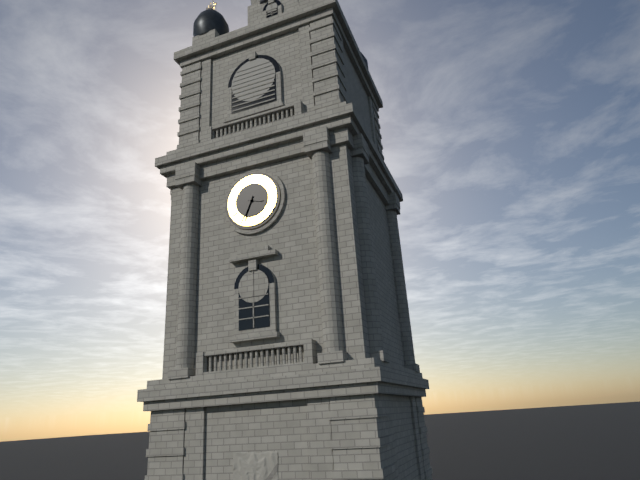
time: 3:34
